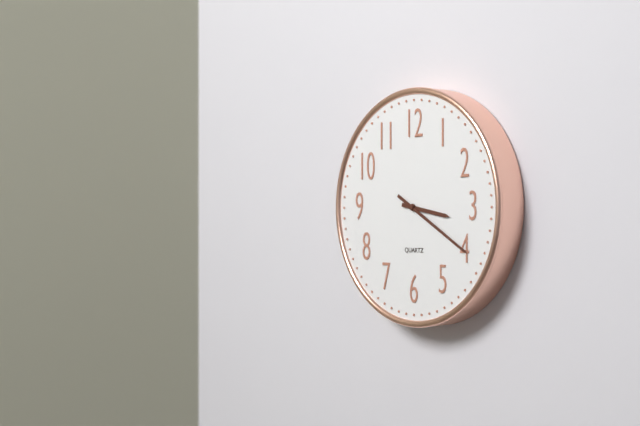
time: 3:20
